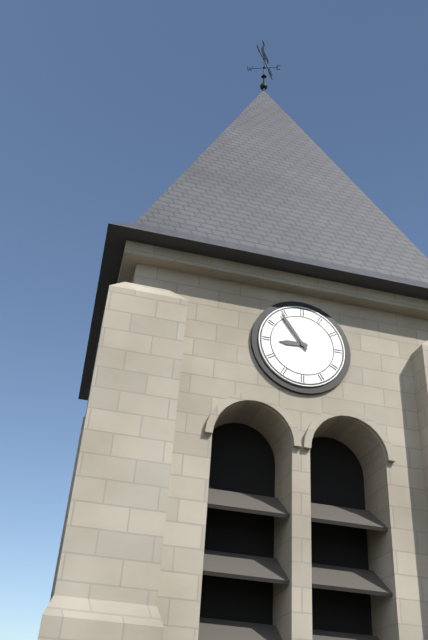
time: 8:54
